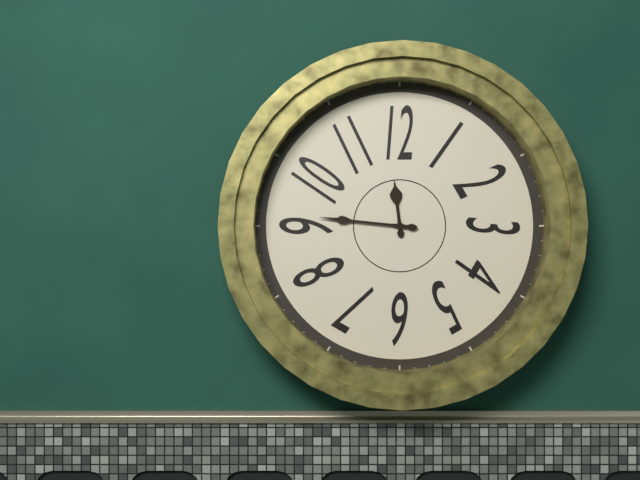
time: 11:46
